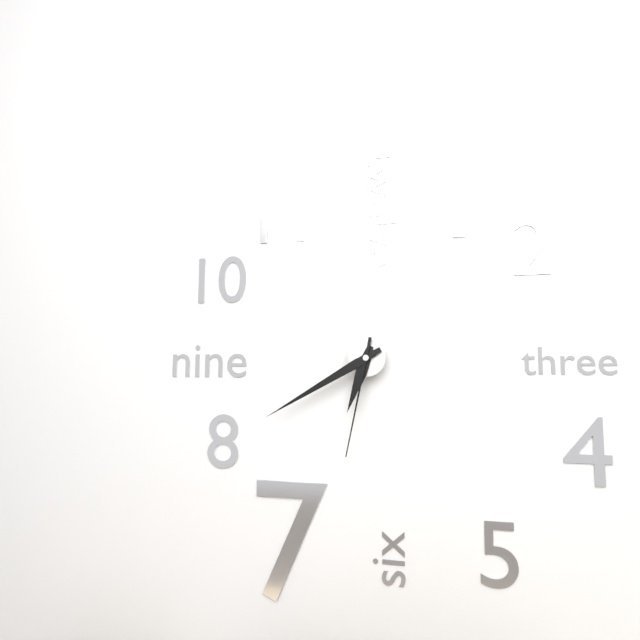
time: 6:40:32
